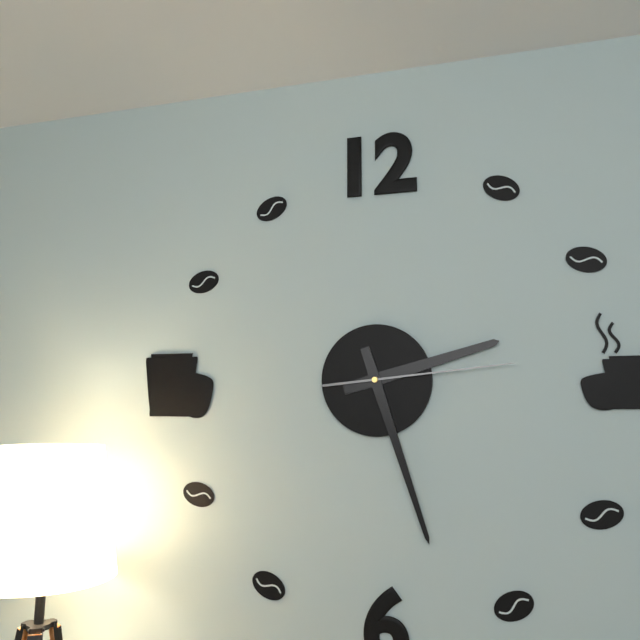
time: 2:27:14
